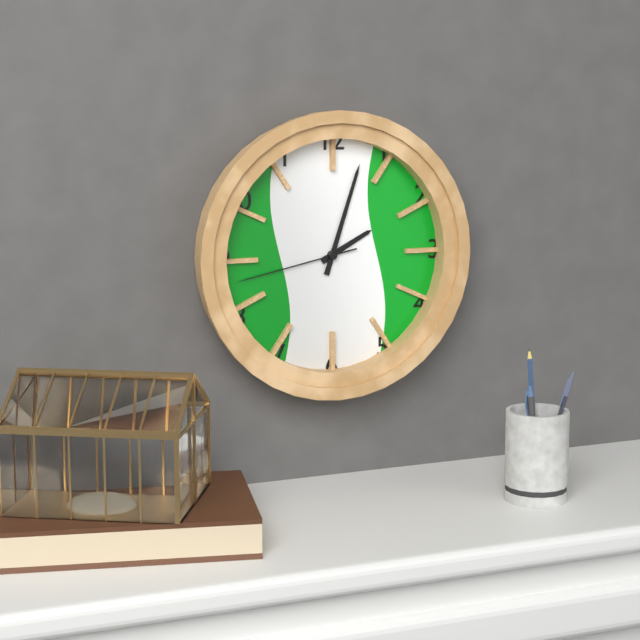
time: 2:03:43
